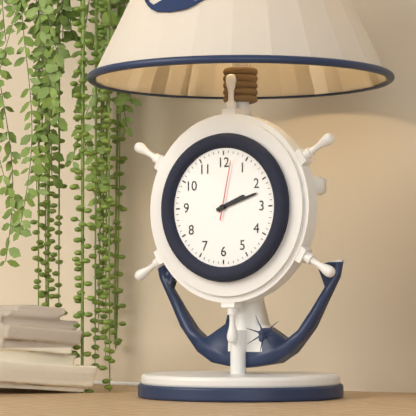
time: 2:12:02
